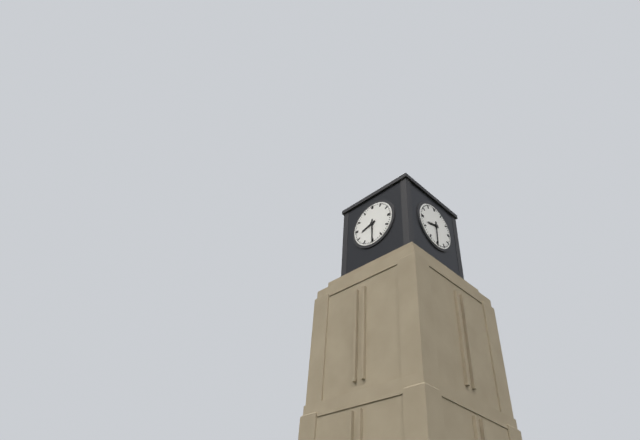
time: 8:30
